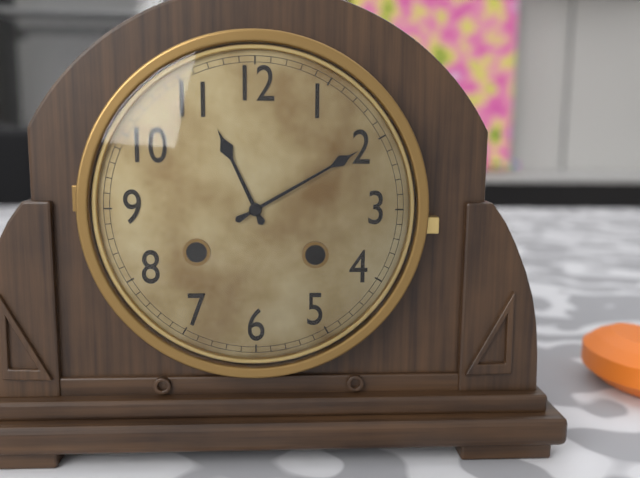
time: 11:10
